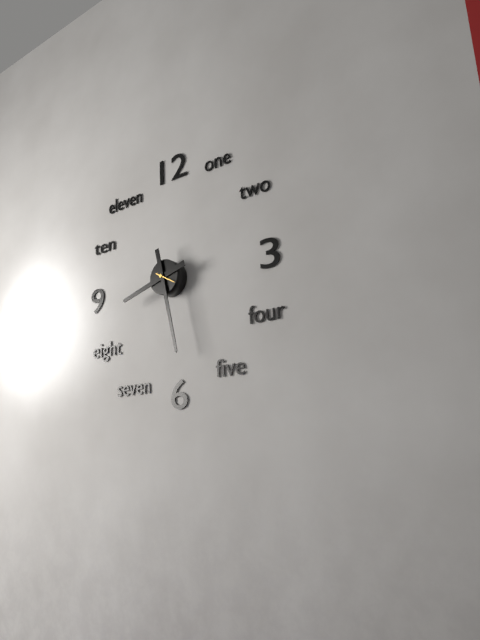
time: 8:28
